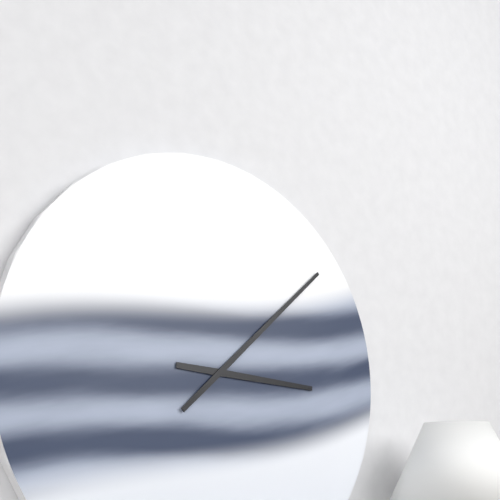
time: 3:08
